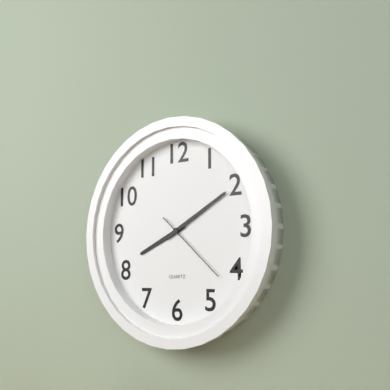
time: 8:10:22
